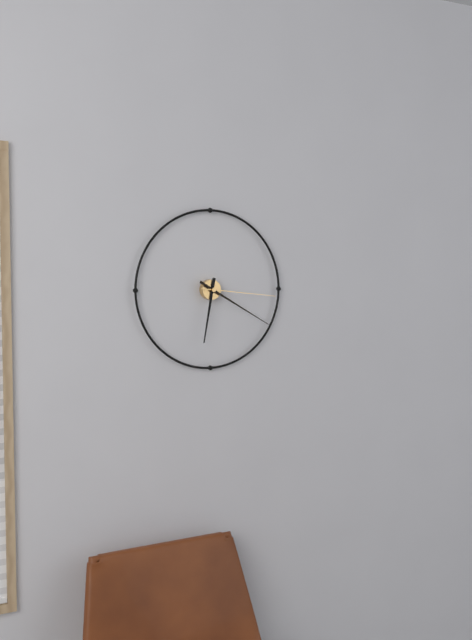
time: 6:20:16
